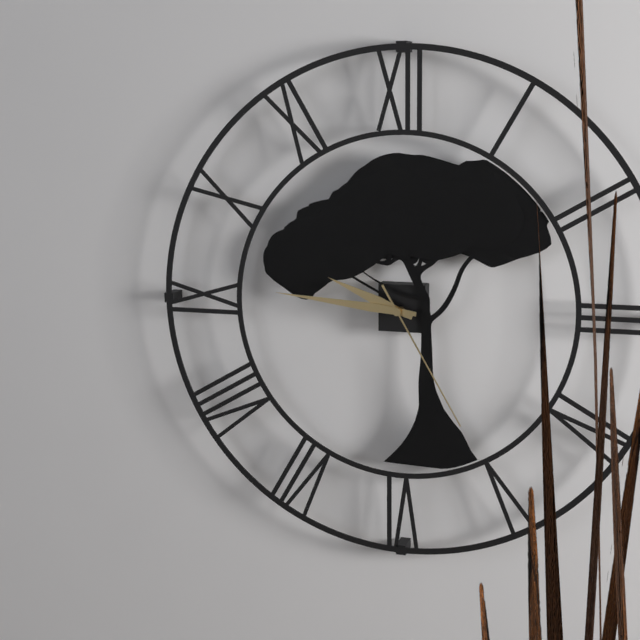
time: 9:46:25
